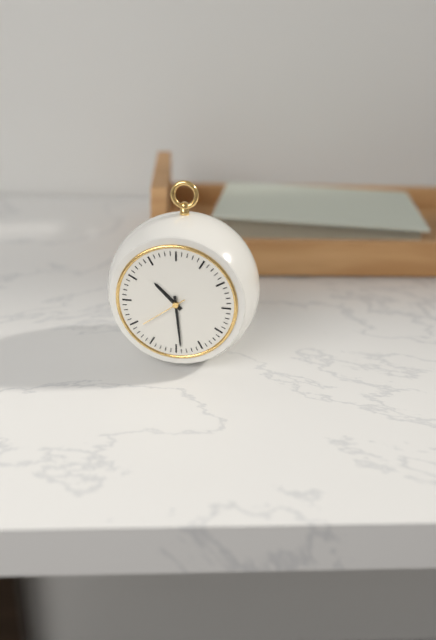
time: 10:29
